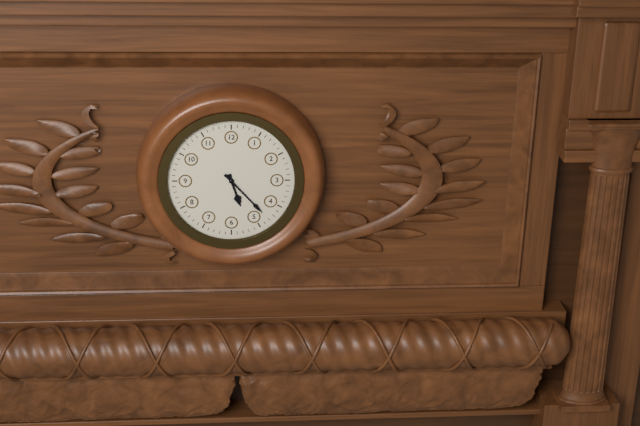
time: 5:23
